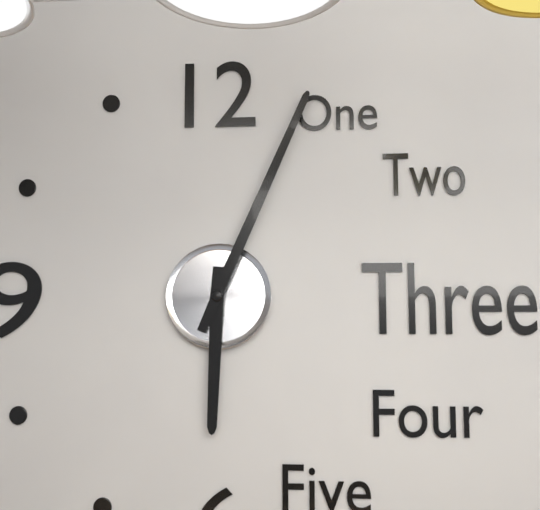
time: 6:04
